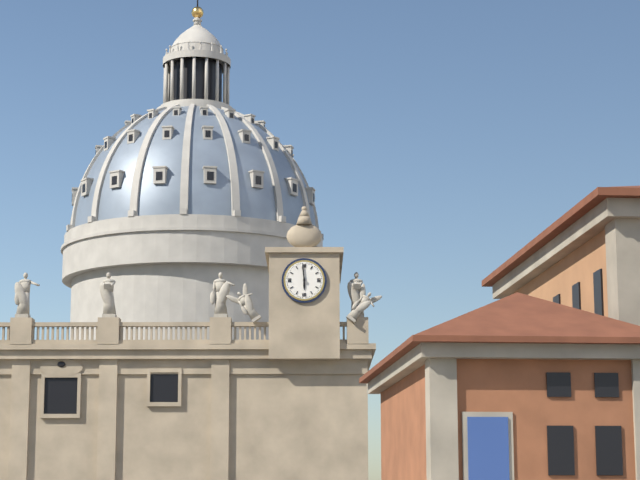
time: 5:59
